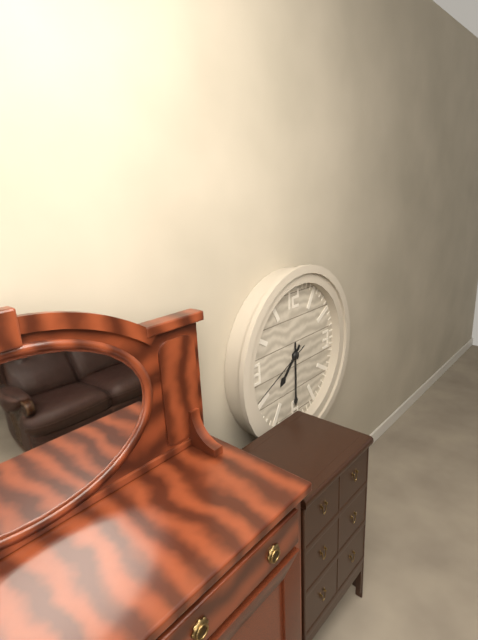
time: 7:30:41
